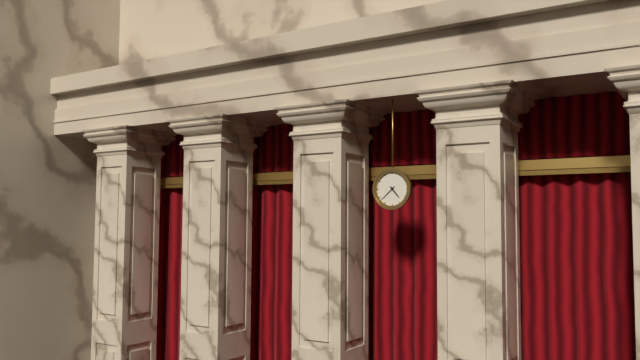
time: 4:38
